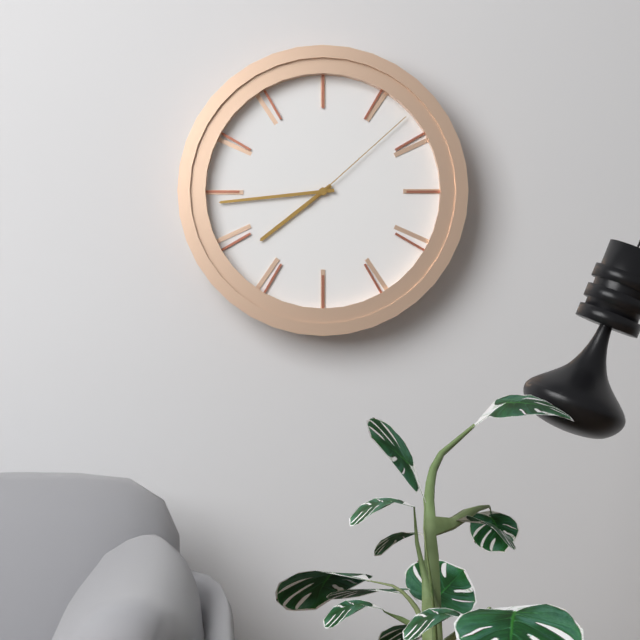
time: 7:44:08
